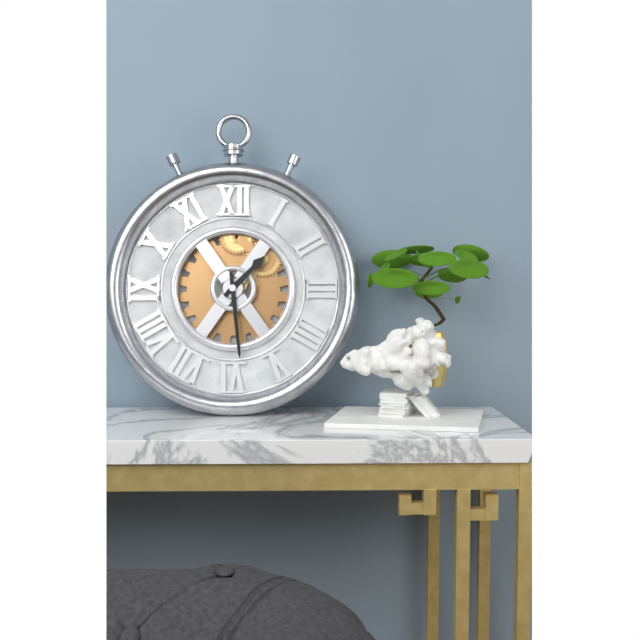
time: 1:29
